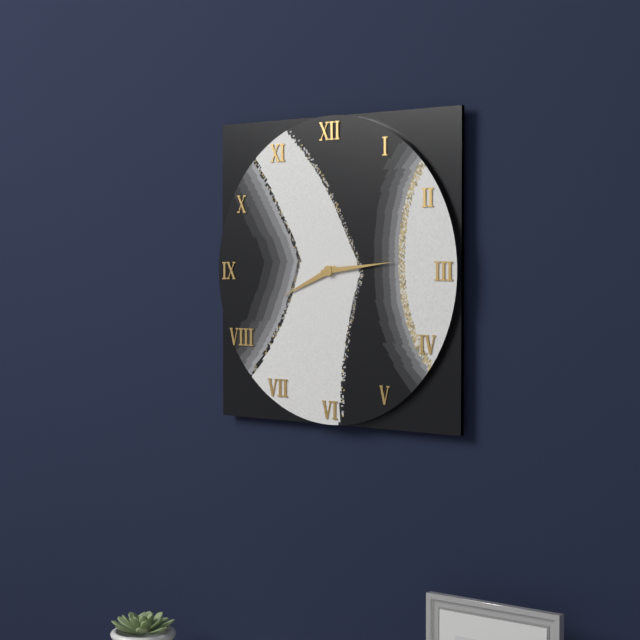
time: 8:14
